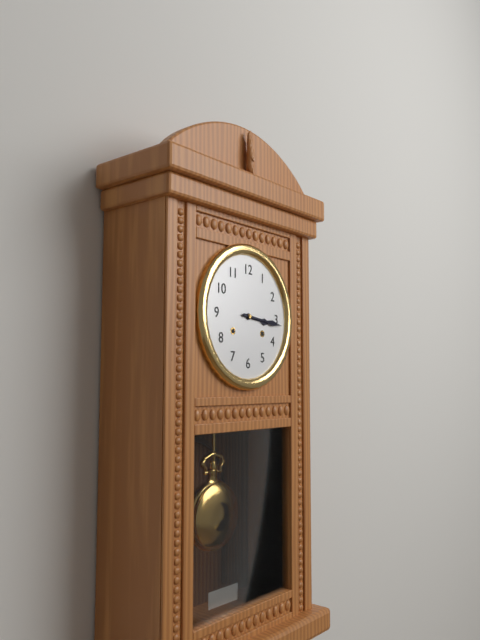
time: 3:16
